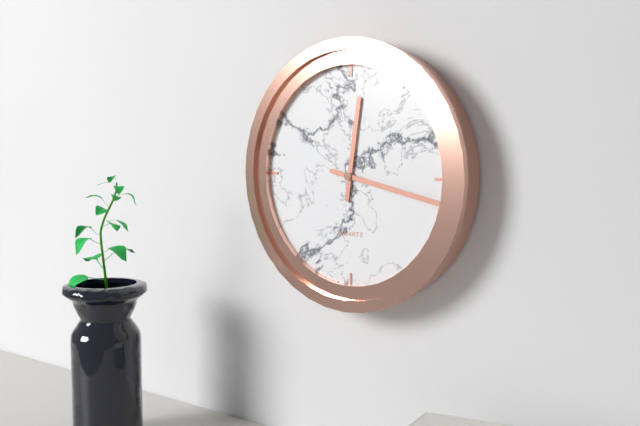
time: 12:17
